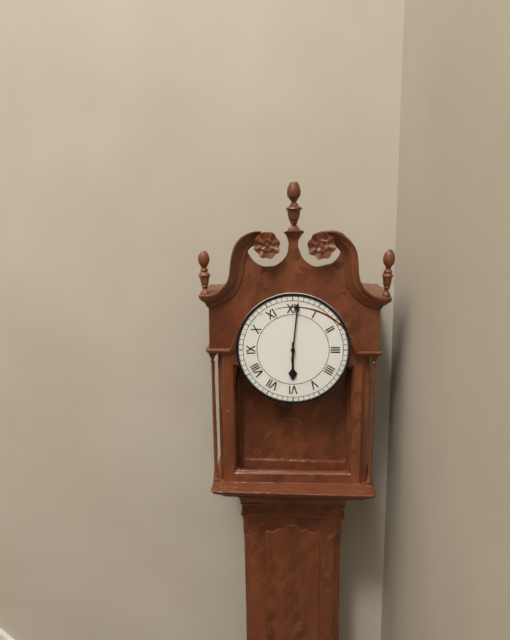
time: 6:01
